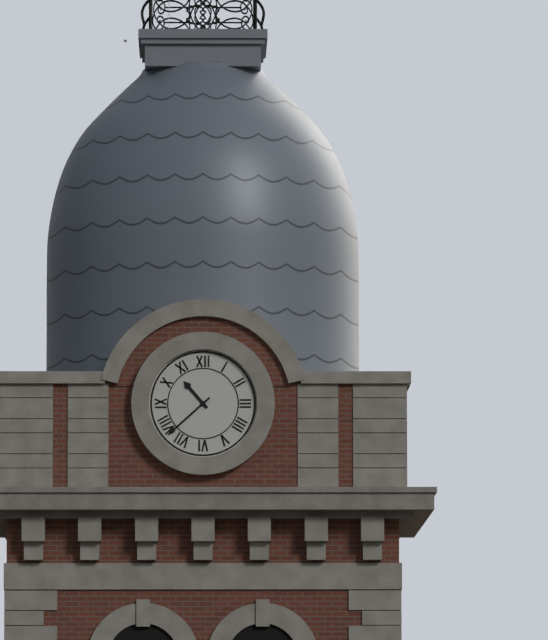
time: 10:38
